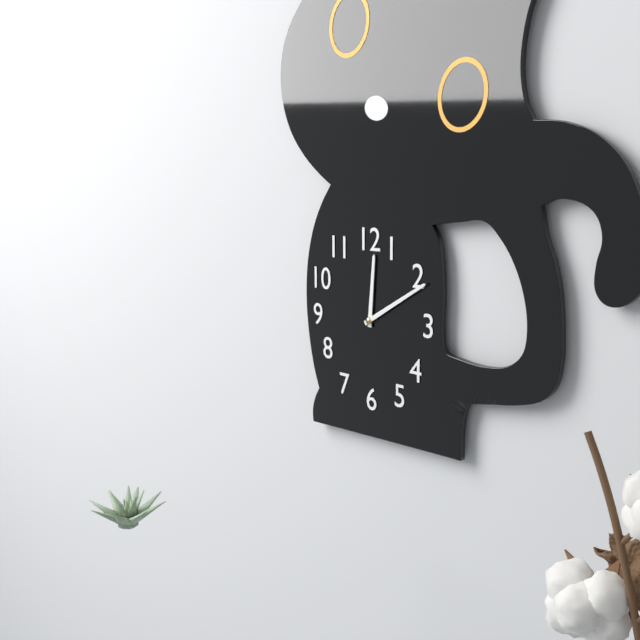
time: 12:10
